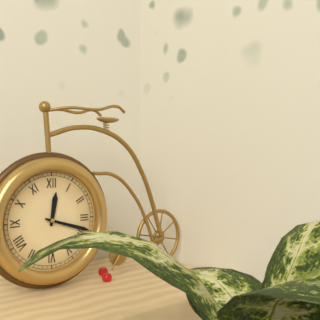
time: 12:18
